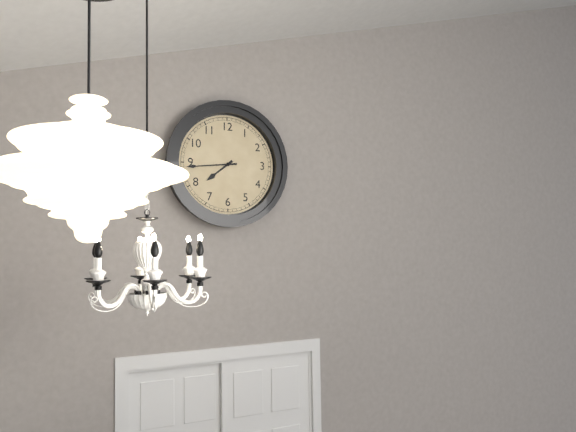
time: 7:44
